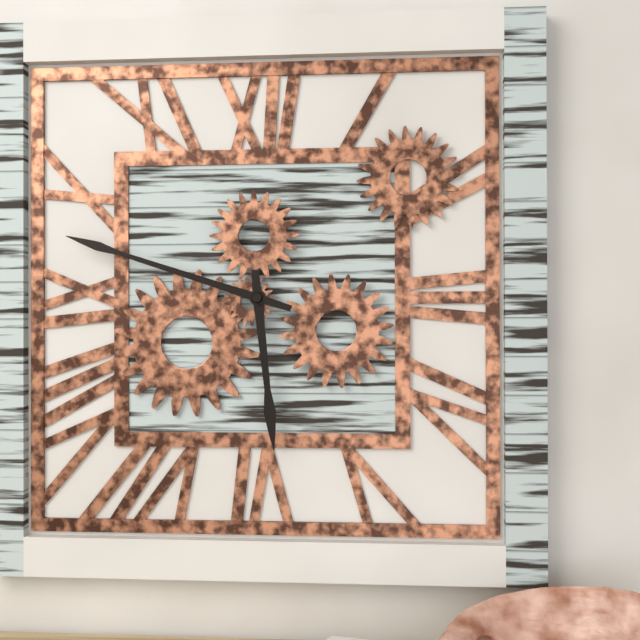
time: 5:48
